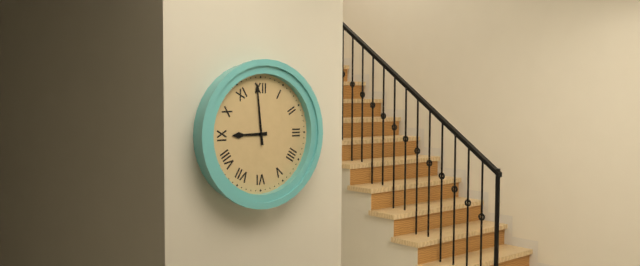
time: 8:59
